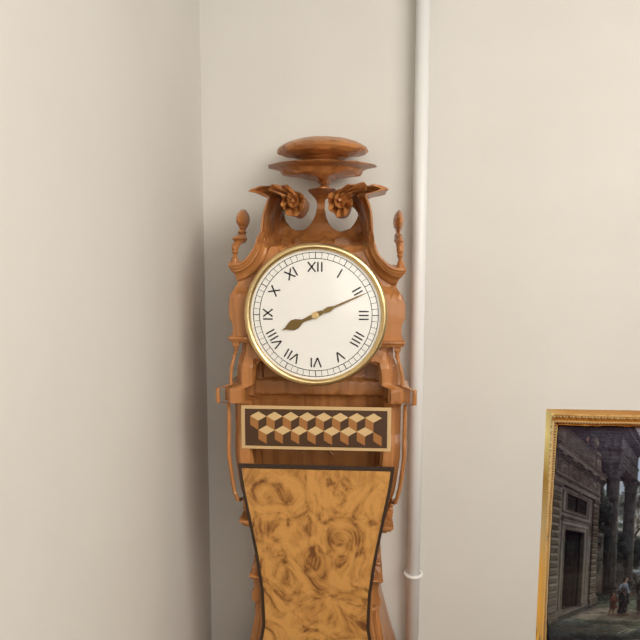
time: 8:11
